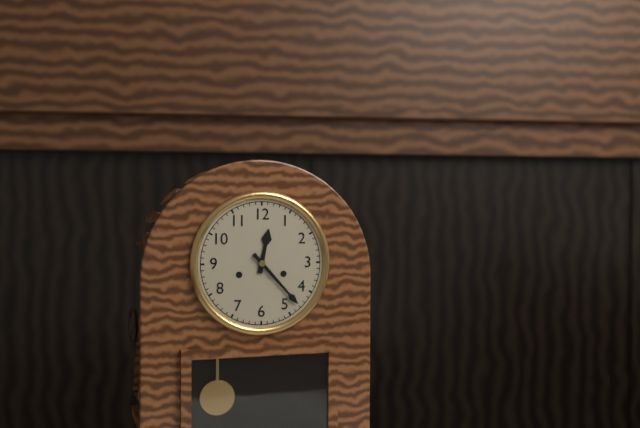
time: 12:23
